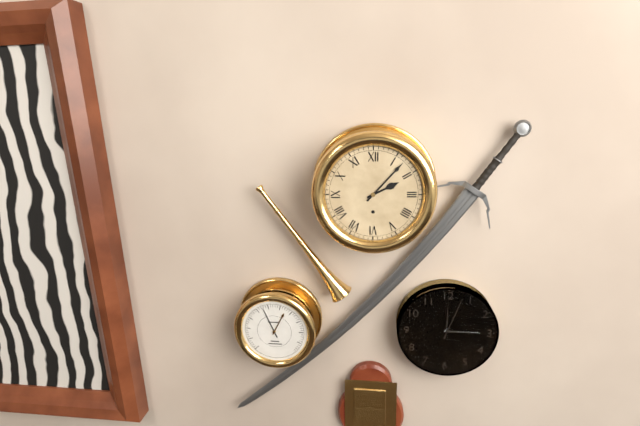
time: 2:07
